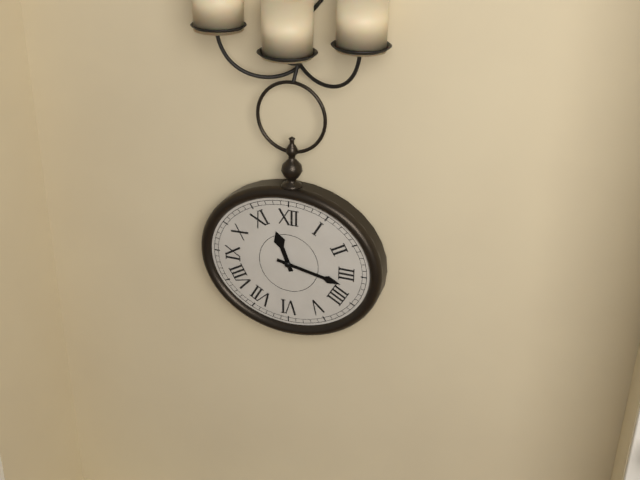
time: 11:17
